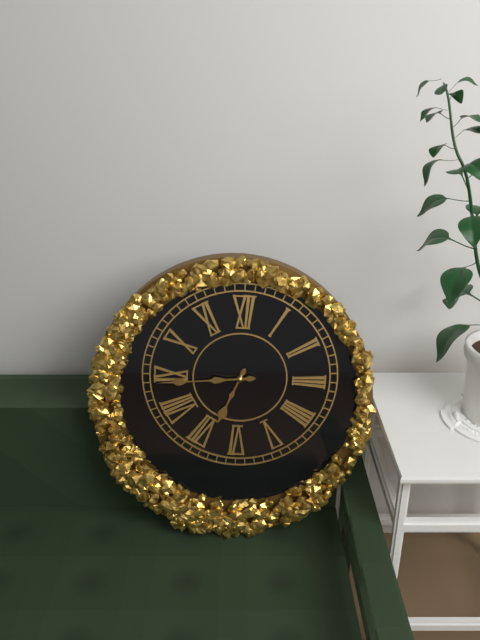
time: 6:44
